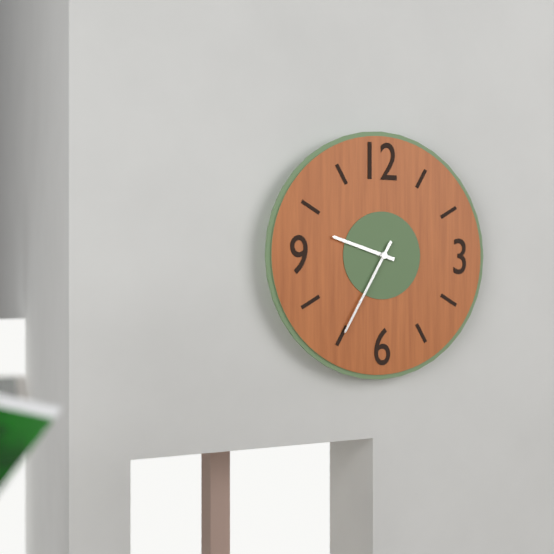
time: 9:35
